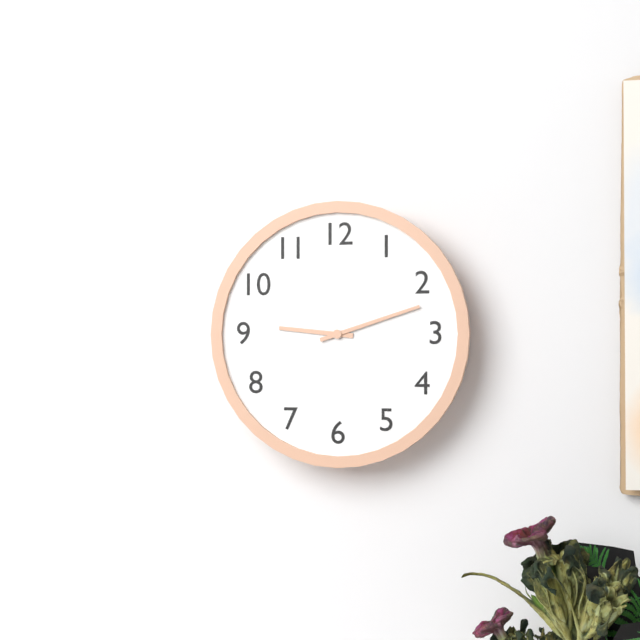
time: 9:12
